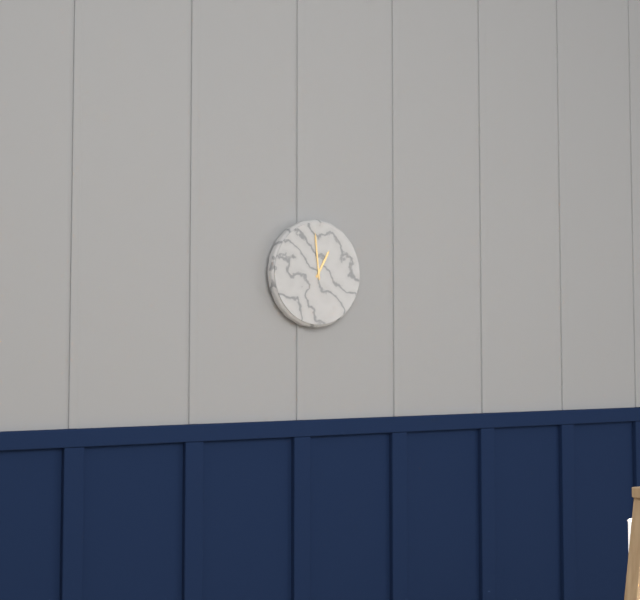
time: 12:59
